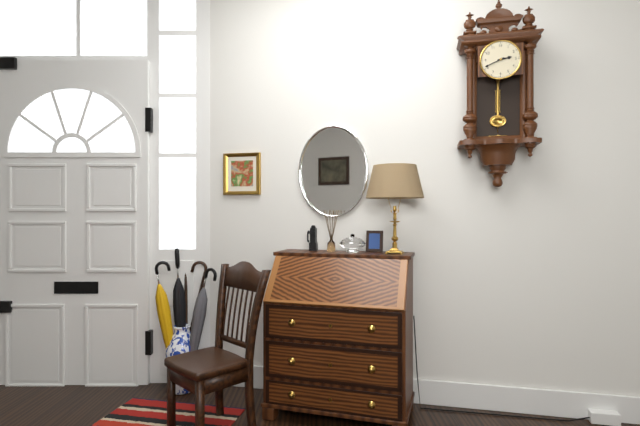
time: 2:41
